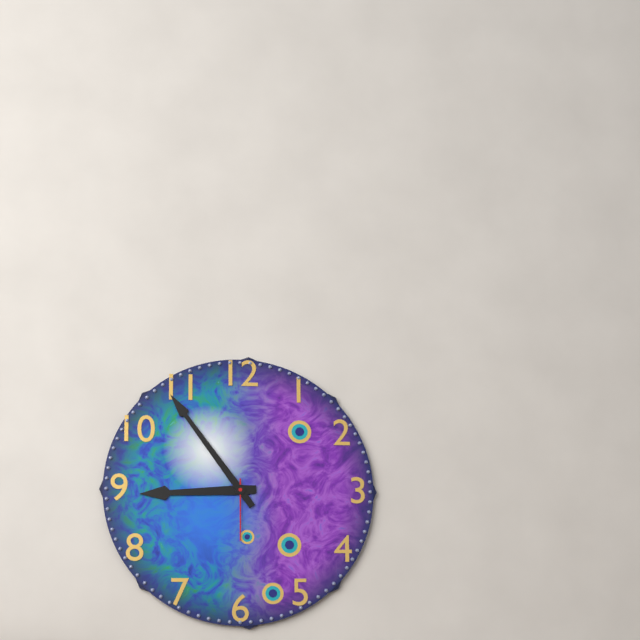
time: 8:54:30
